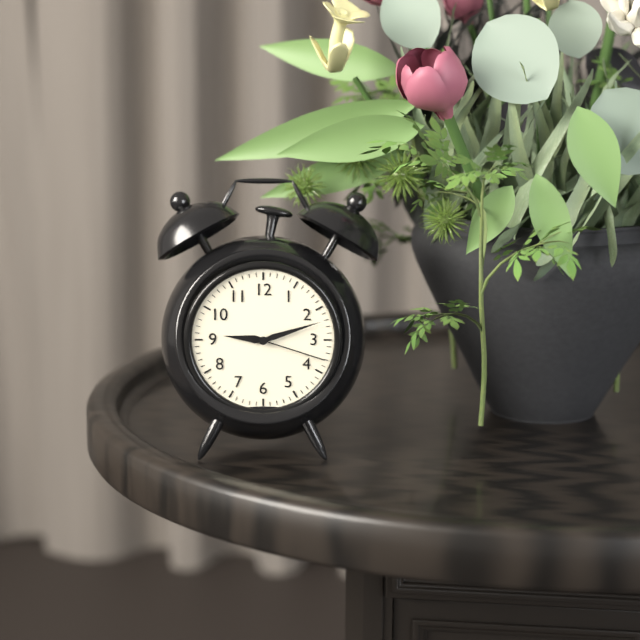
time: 9:12:18
